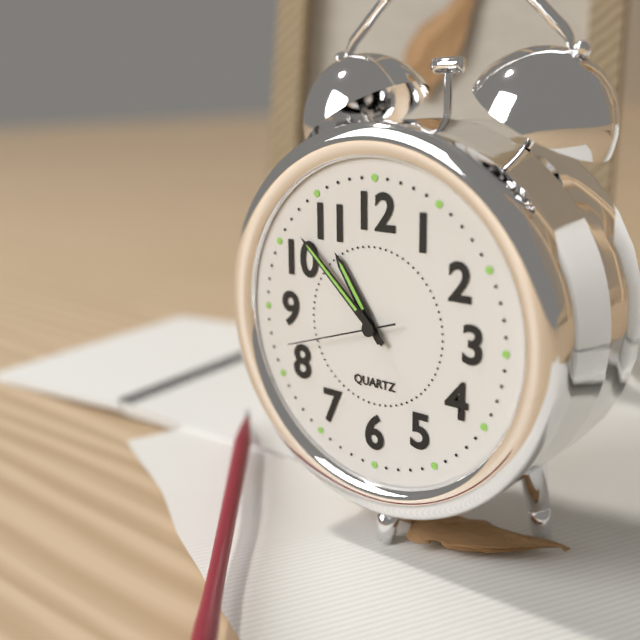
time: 10:52:42
